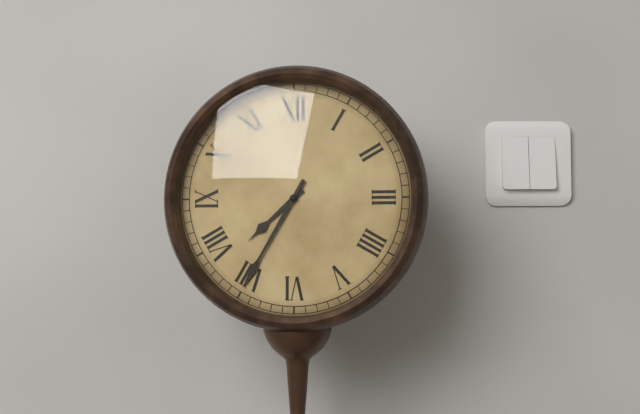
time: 7:35
